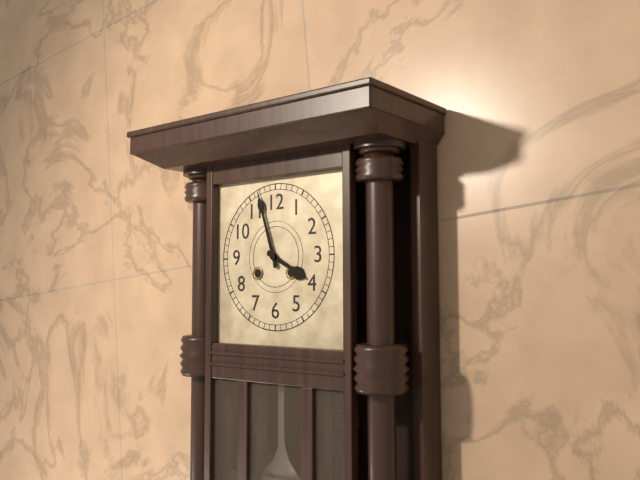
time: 3:57
